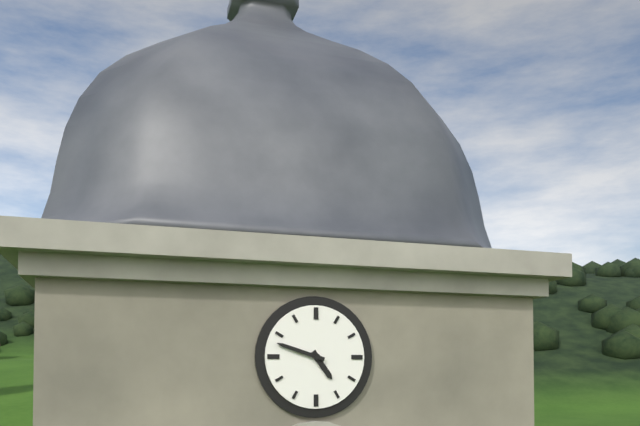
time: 4:48
